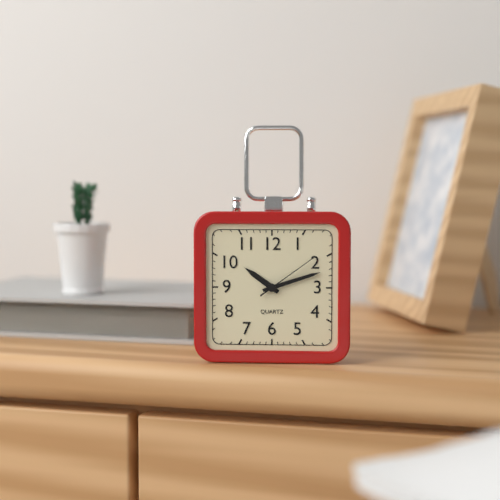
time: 10:12:09
